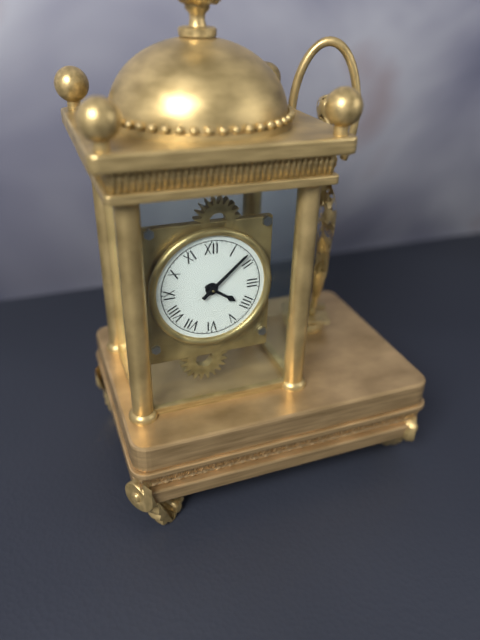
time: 4:08
